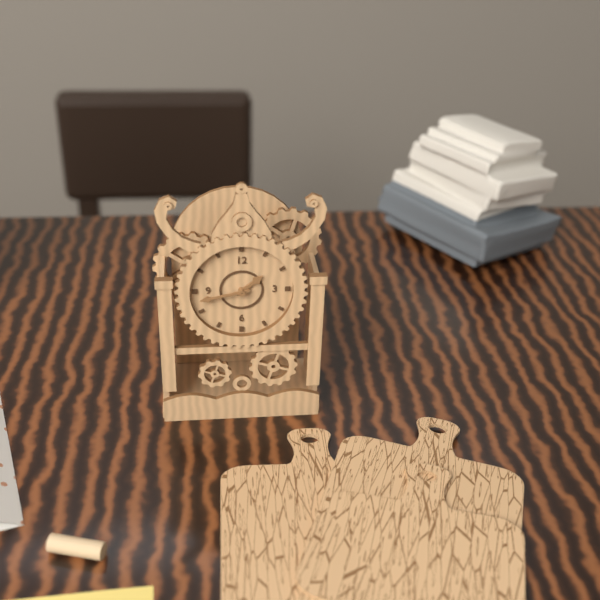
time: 1:43
